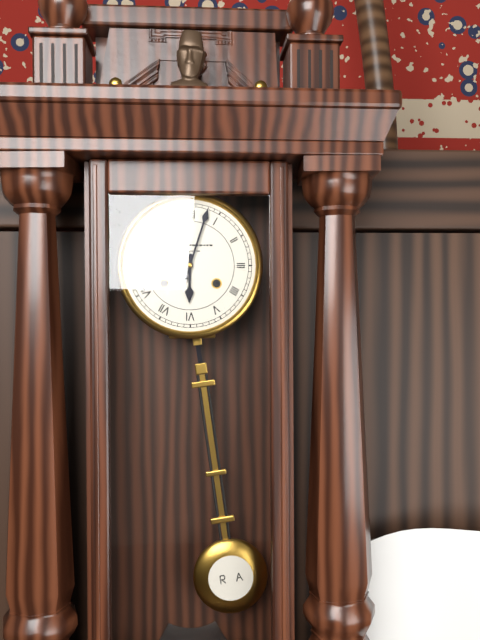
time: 6:03
